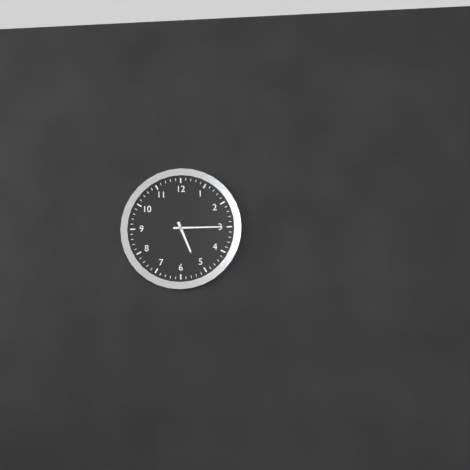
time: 5:15
